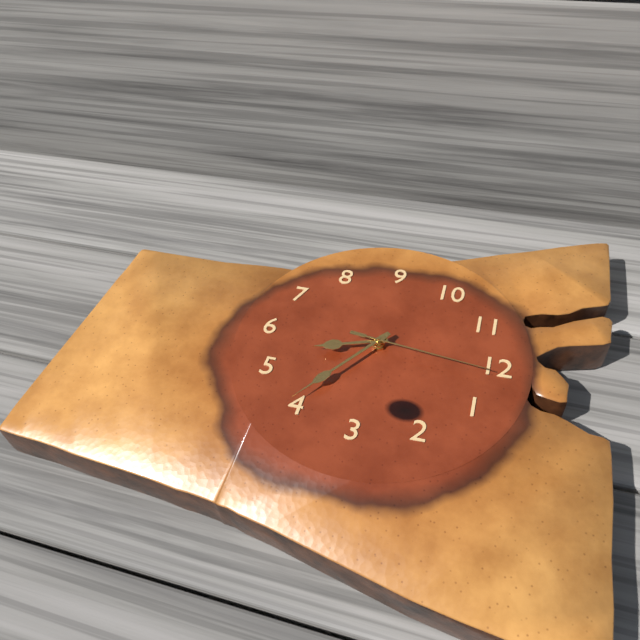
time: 5:21:01
